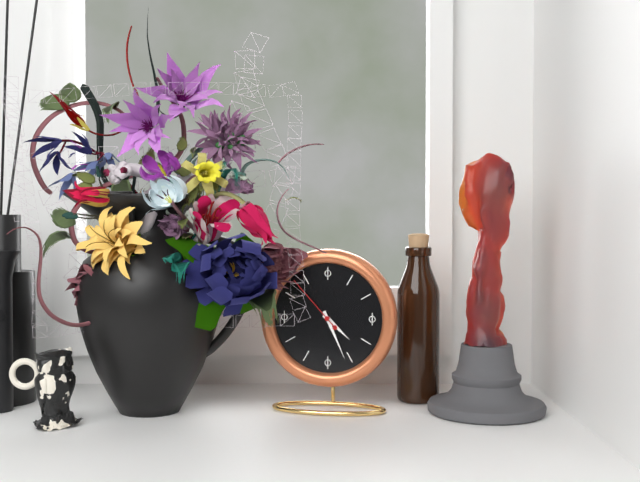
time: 4:26:53
